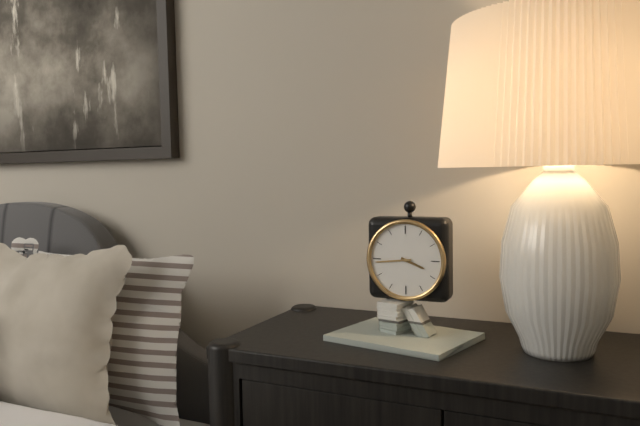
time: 3:44
